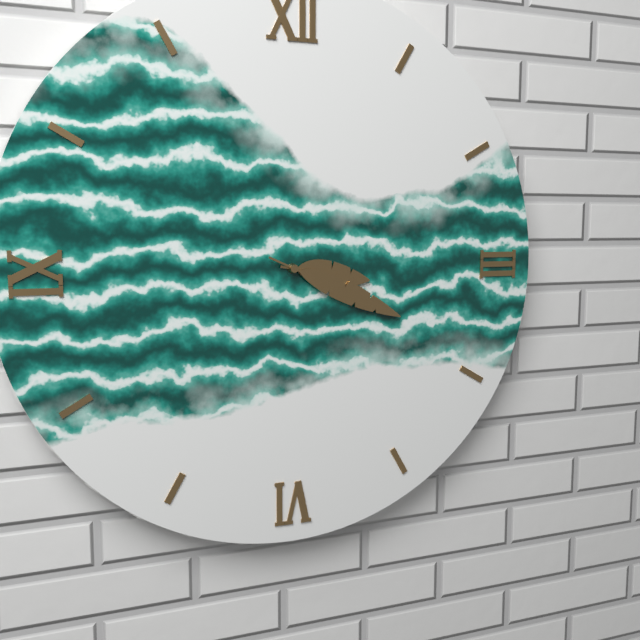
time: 3:19
